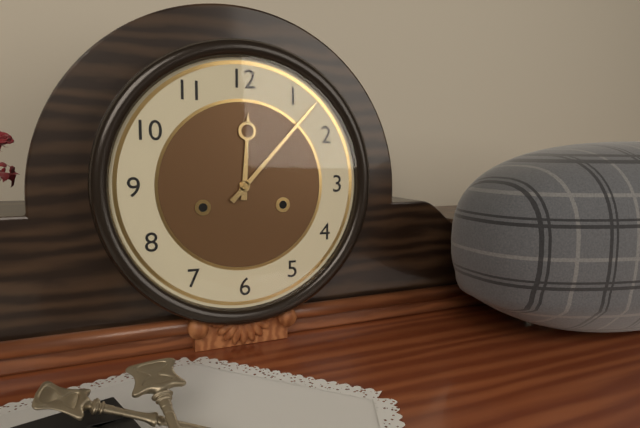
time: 12:07
